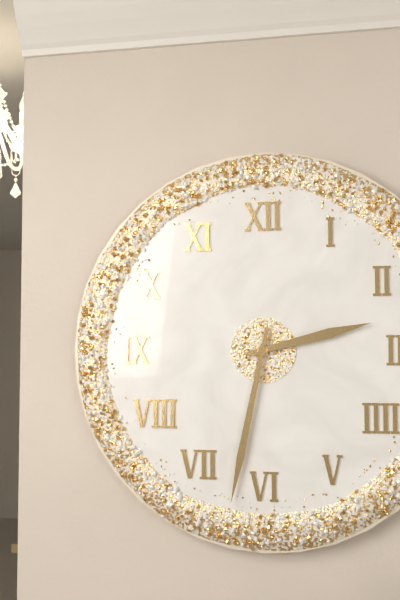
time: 2:32
